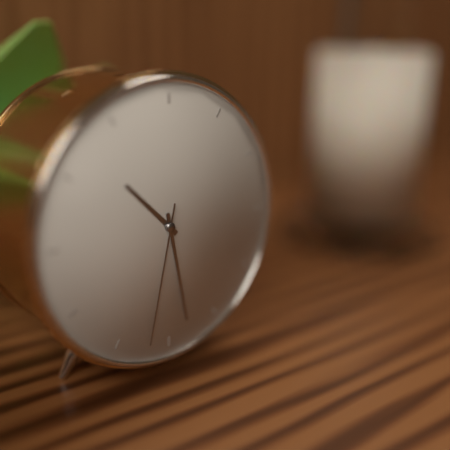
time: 10:28:32
